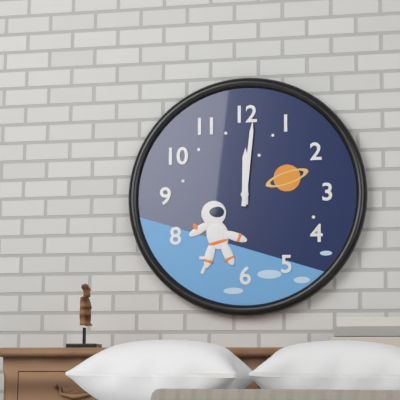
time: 12:01
